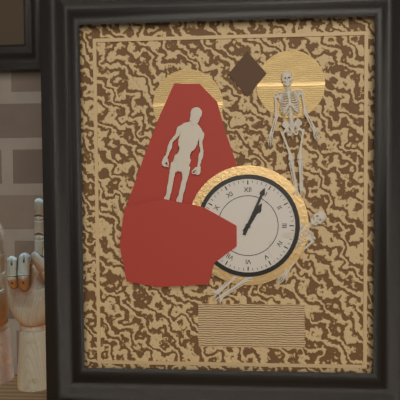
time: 1:04
